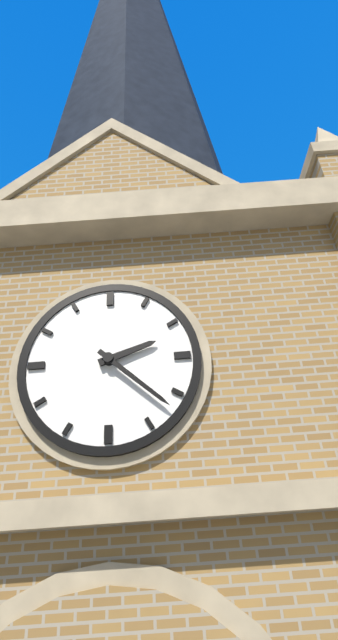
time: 2:22
